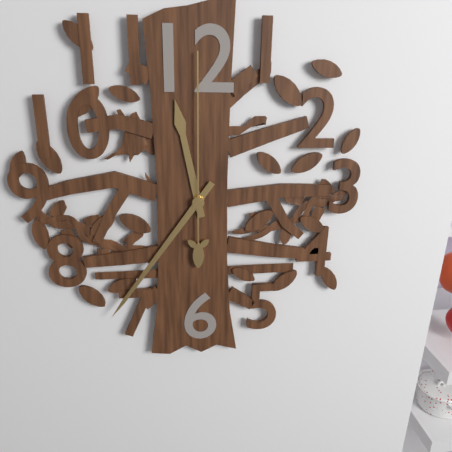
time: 11:36:00
